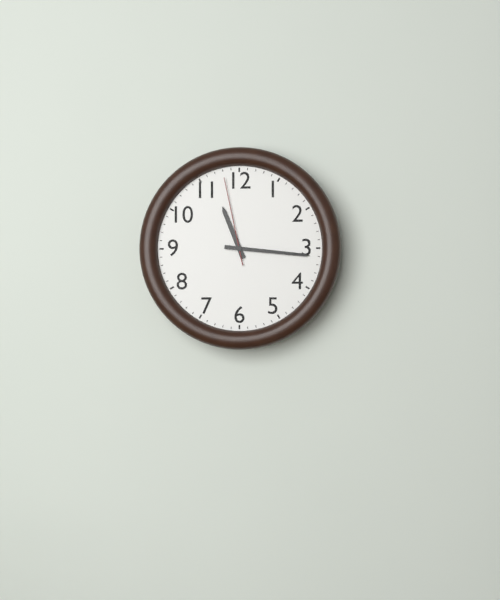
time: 11:16:58
